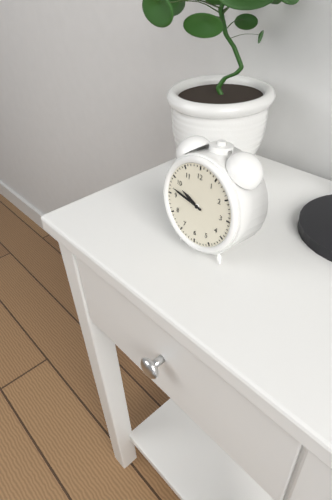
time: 9:47
